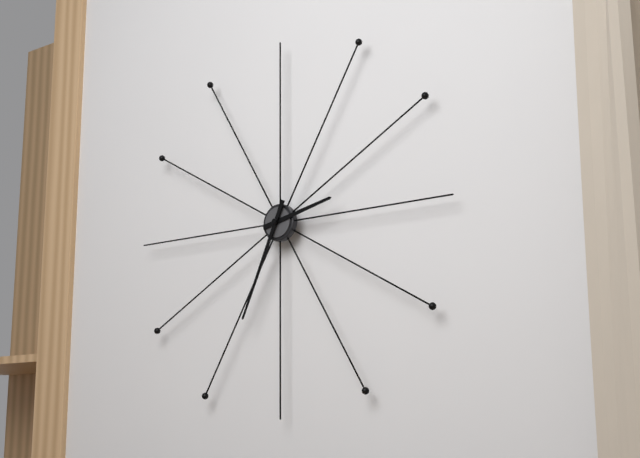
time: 2:34
